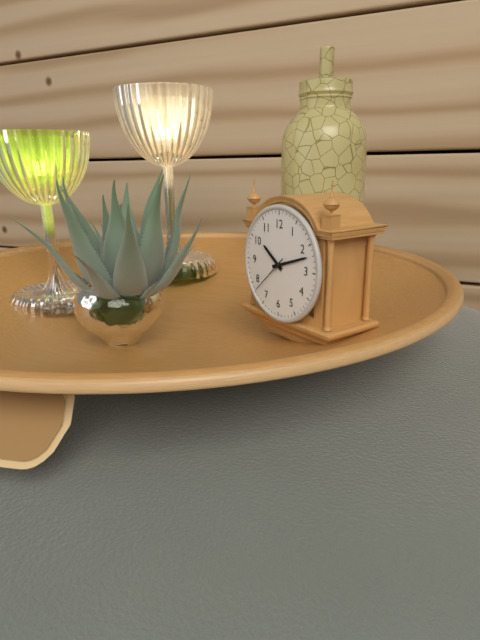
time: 10:12
